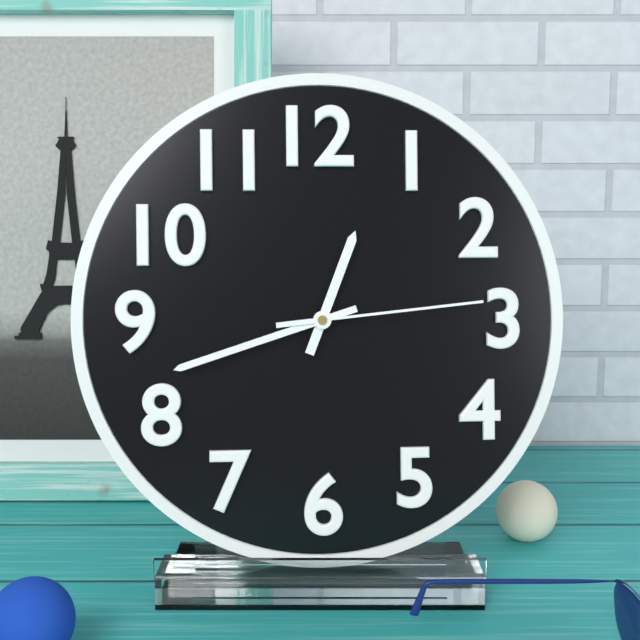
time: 12:42:14
